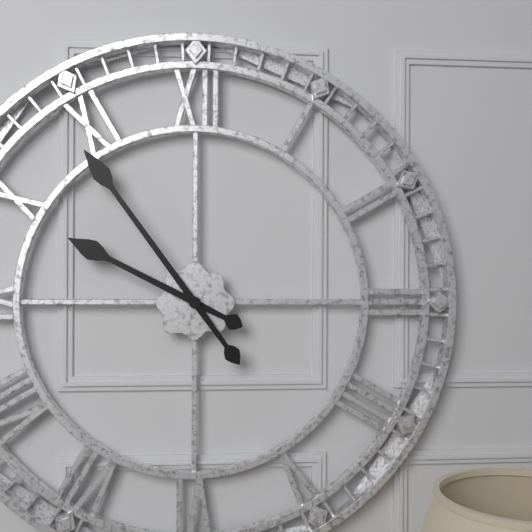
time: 9:54
